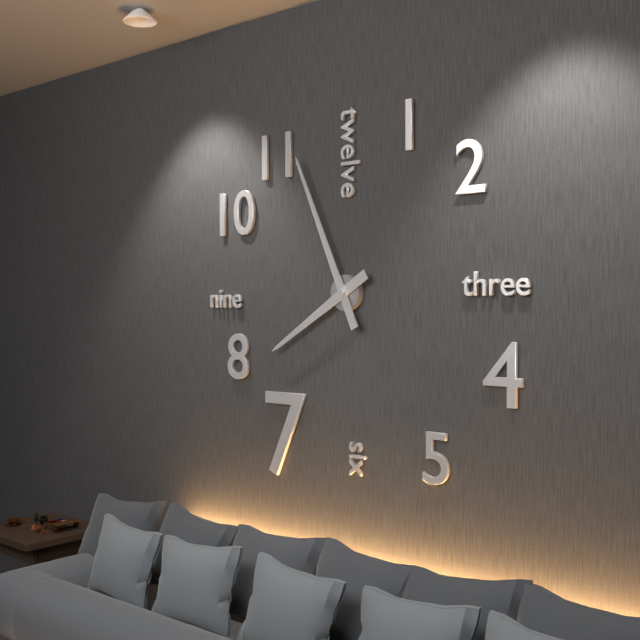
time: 7:56
